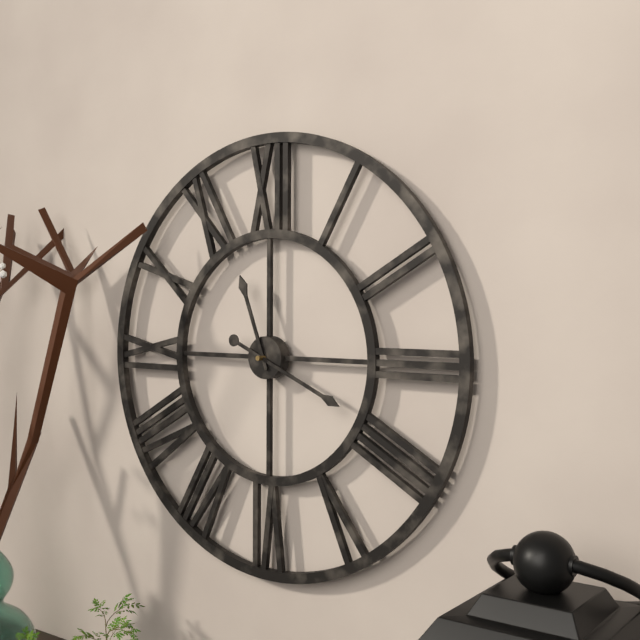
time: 11:19
